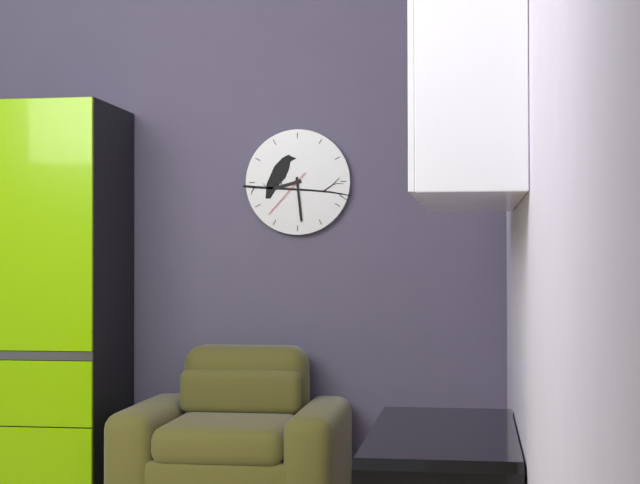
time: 8:29:37
